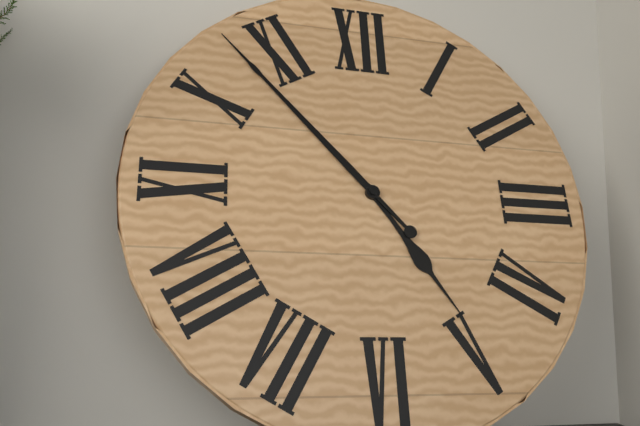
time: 4:53
